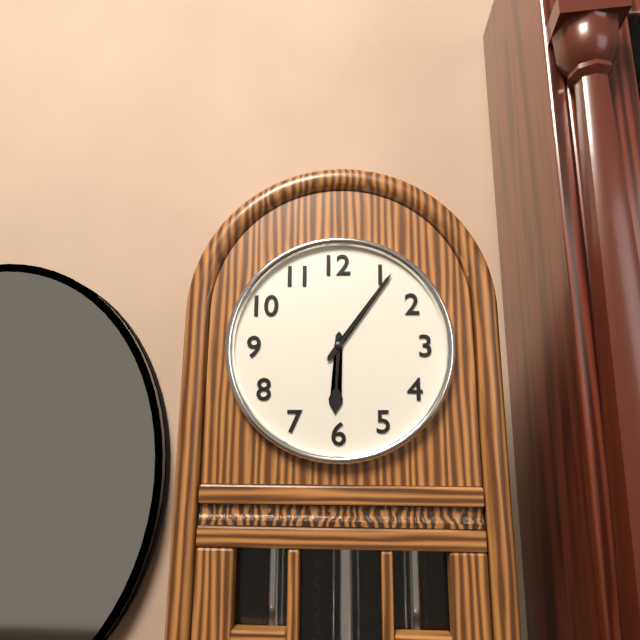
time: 6:06
